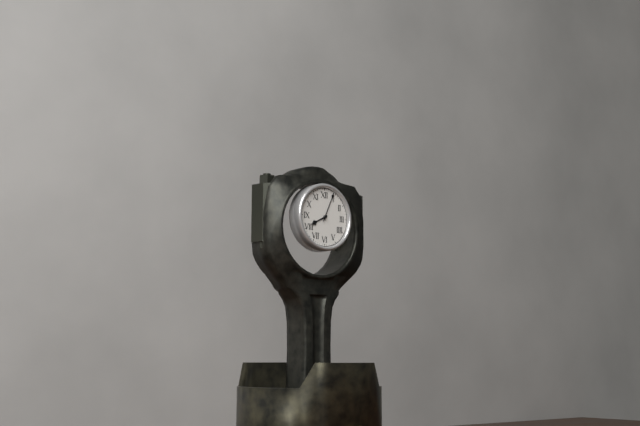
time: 8:04
